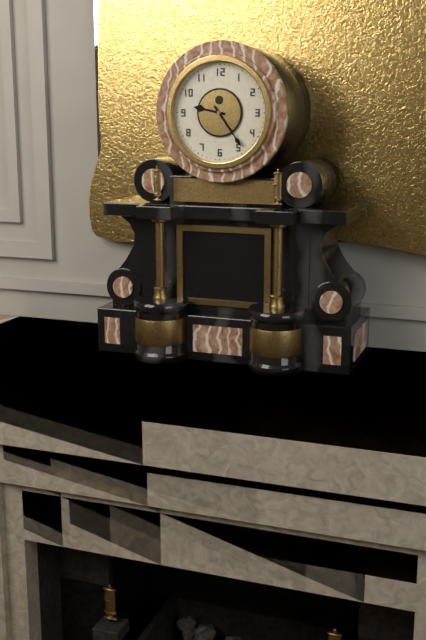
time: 9:24
